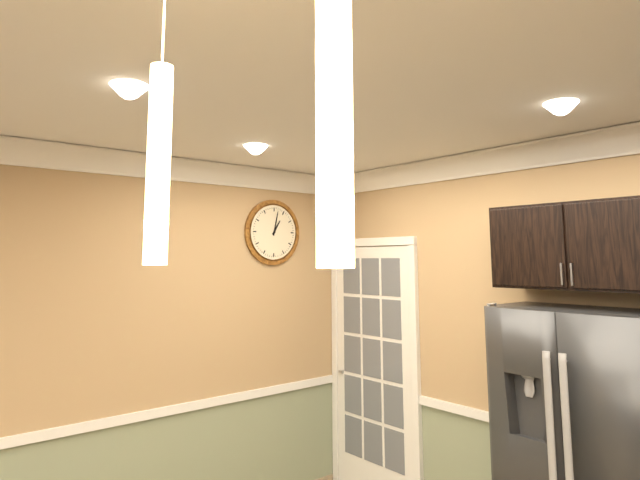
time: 1:02
